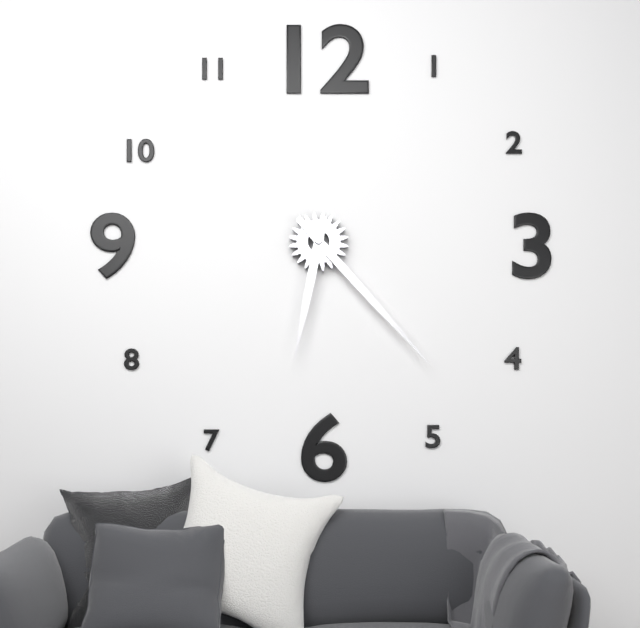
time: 6:23
